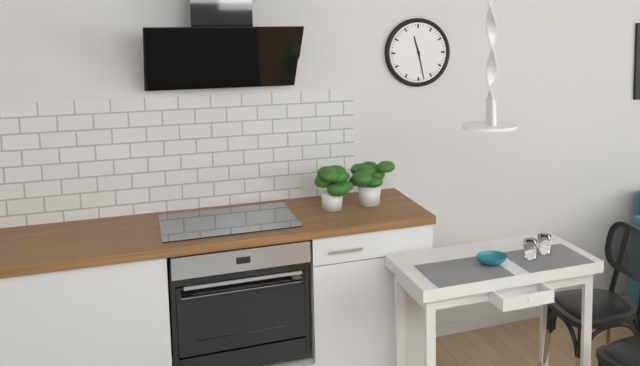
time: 11:28
